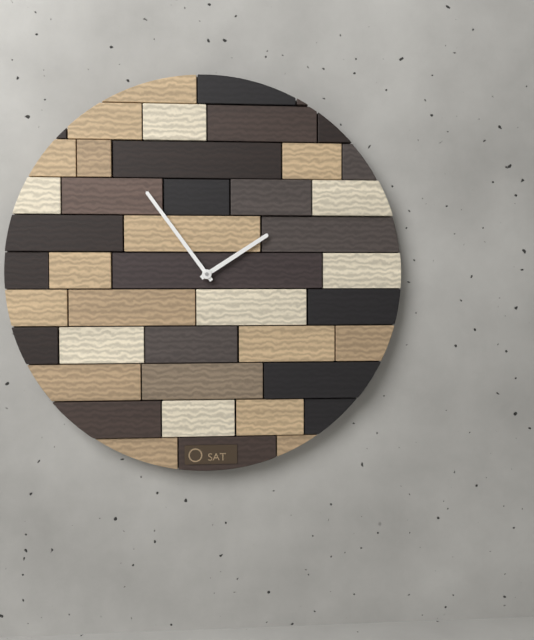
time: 1:54
